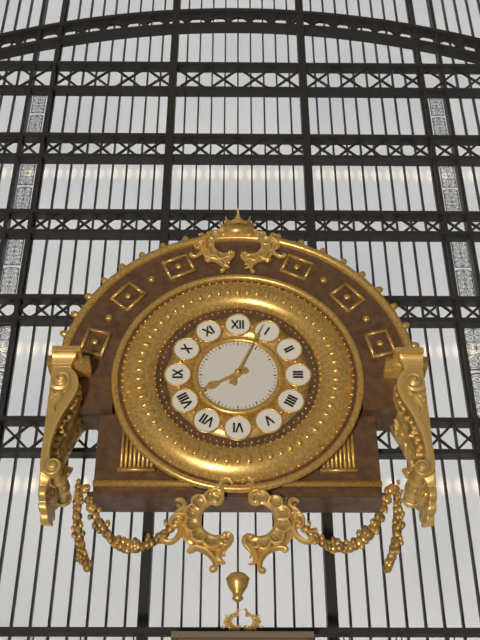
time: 8:04
